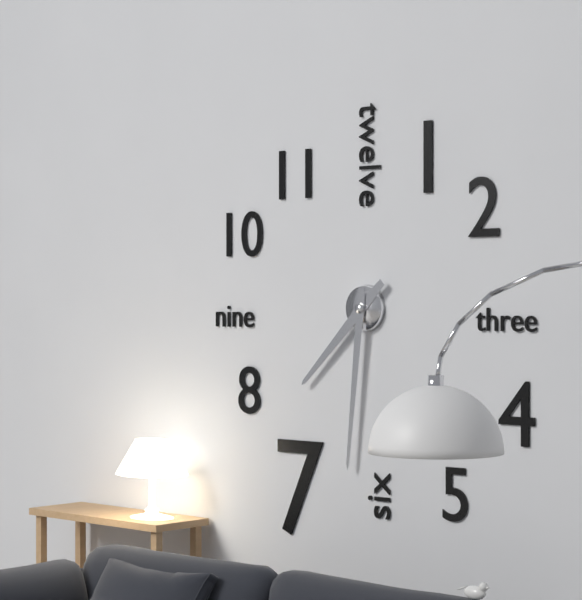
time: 7:31
